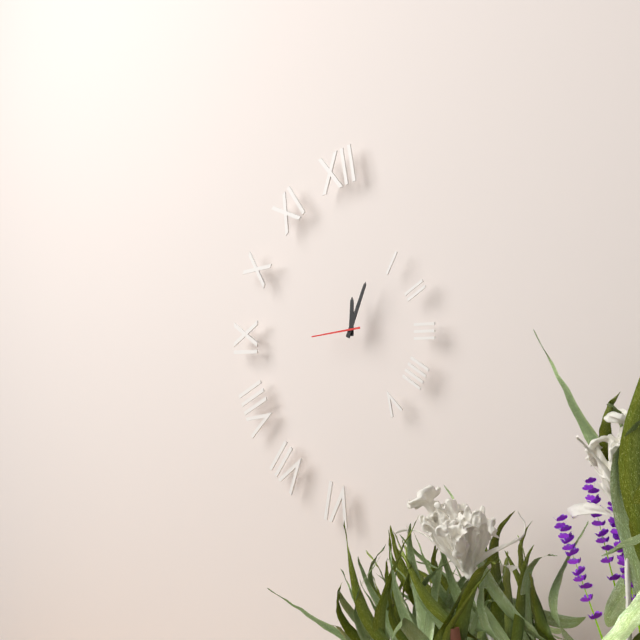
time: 12:04
